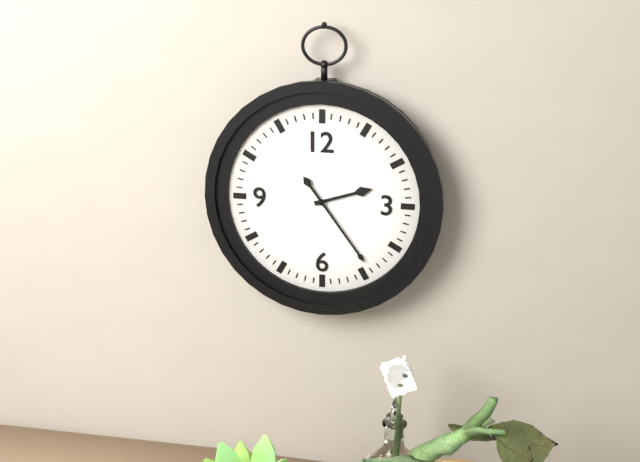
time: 2:24
